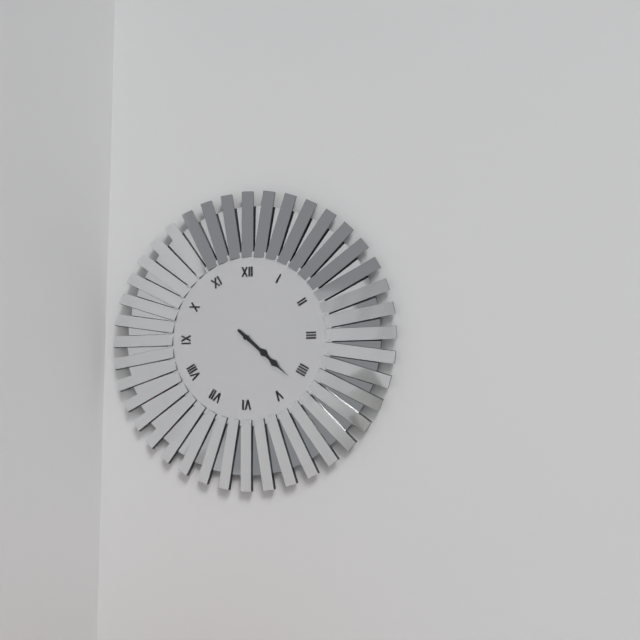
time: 4:22
